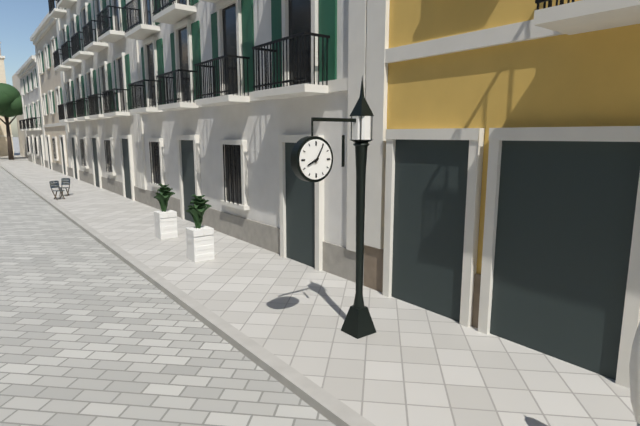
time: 8:05
